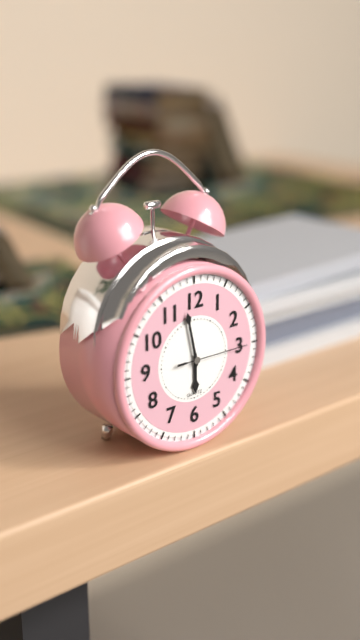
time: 5:58:15
